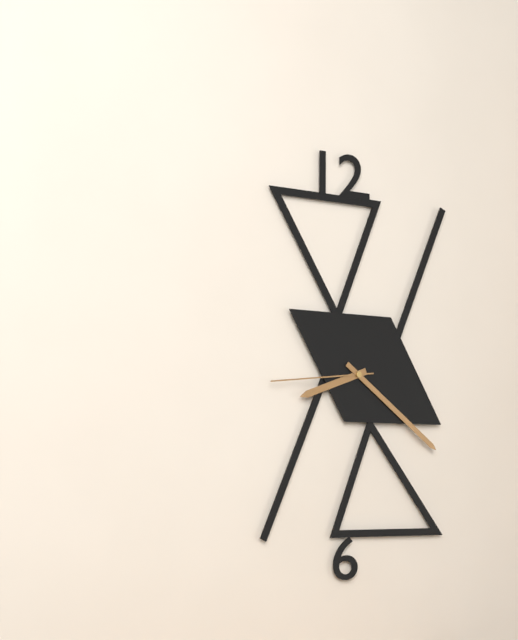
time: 8:21:44
